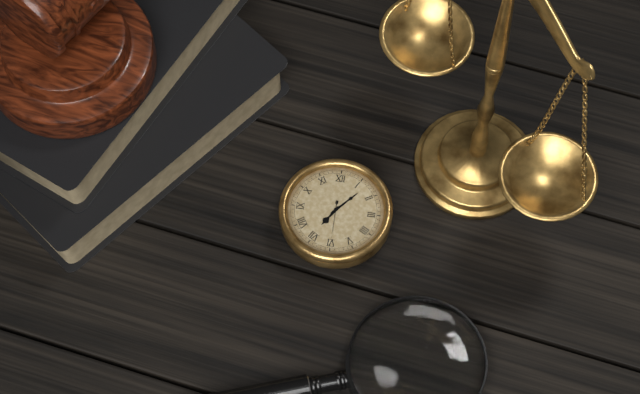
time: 7:07
